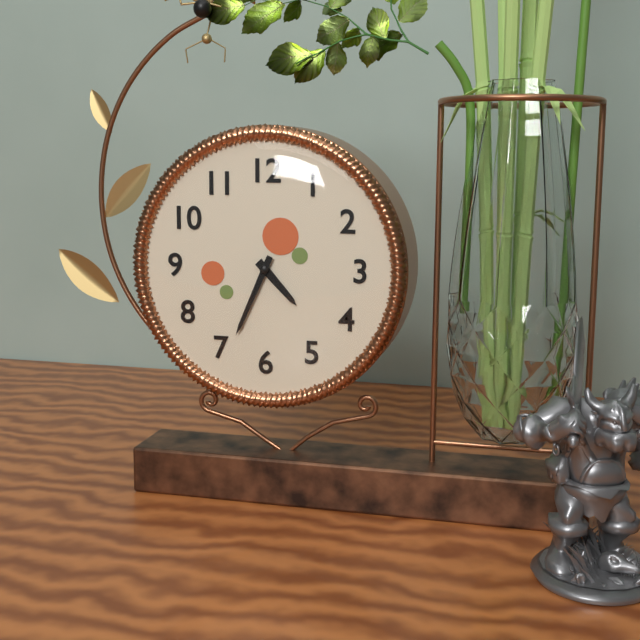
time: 4:34
